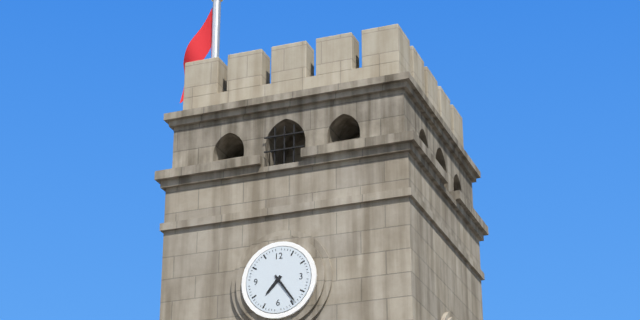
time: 7:24
